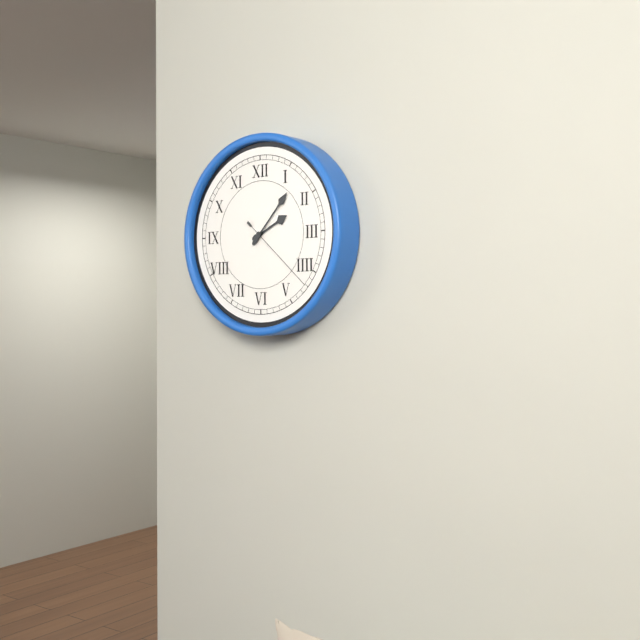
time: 2:07:22
